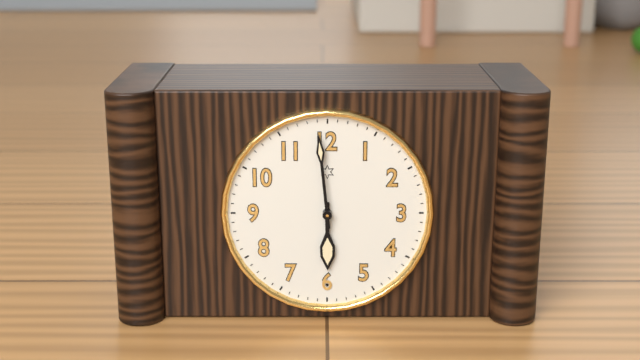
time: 5:59
